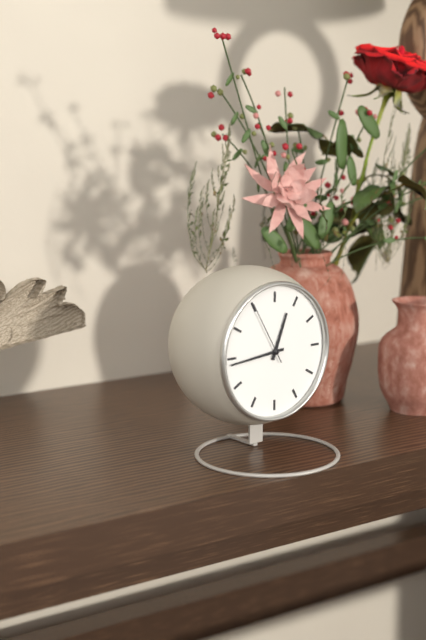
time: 12:44:55
